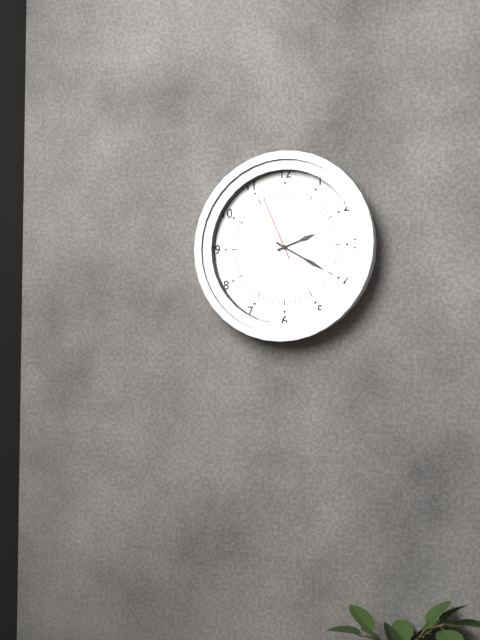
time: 2:20:56
